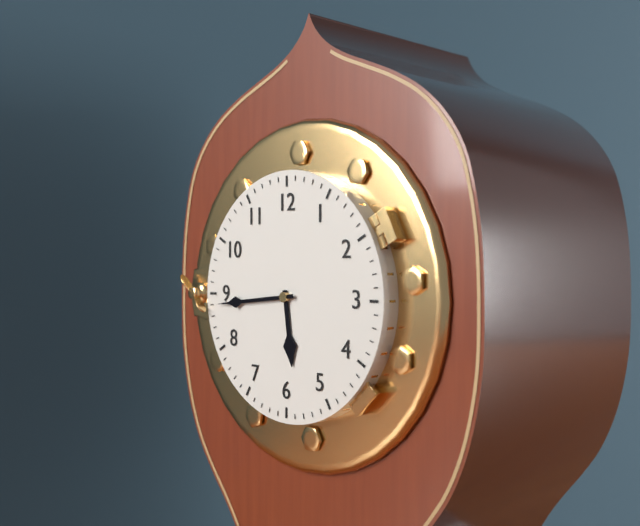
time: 5:44
